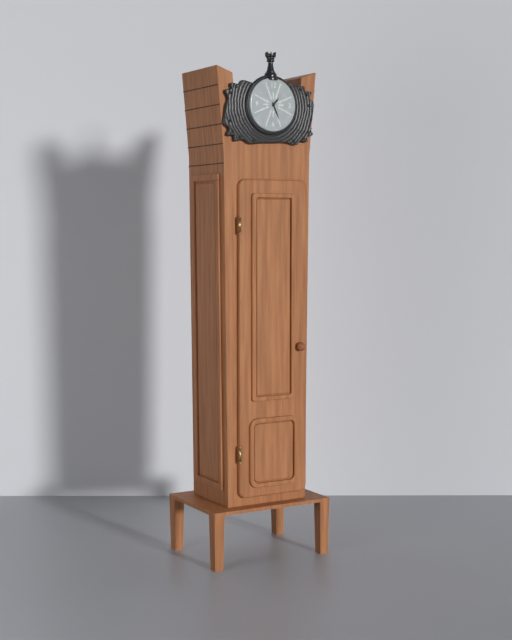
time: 1:26
